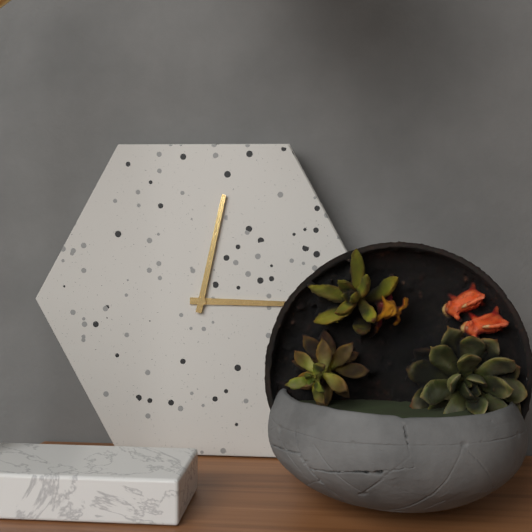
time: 3:02
